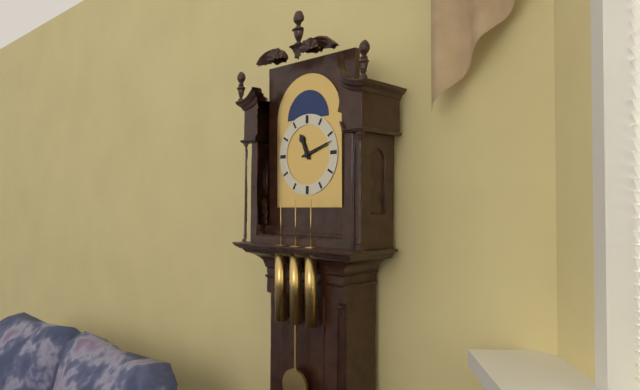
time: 11:12
